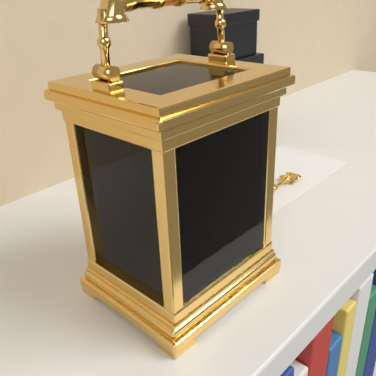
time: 11:12
